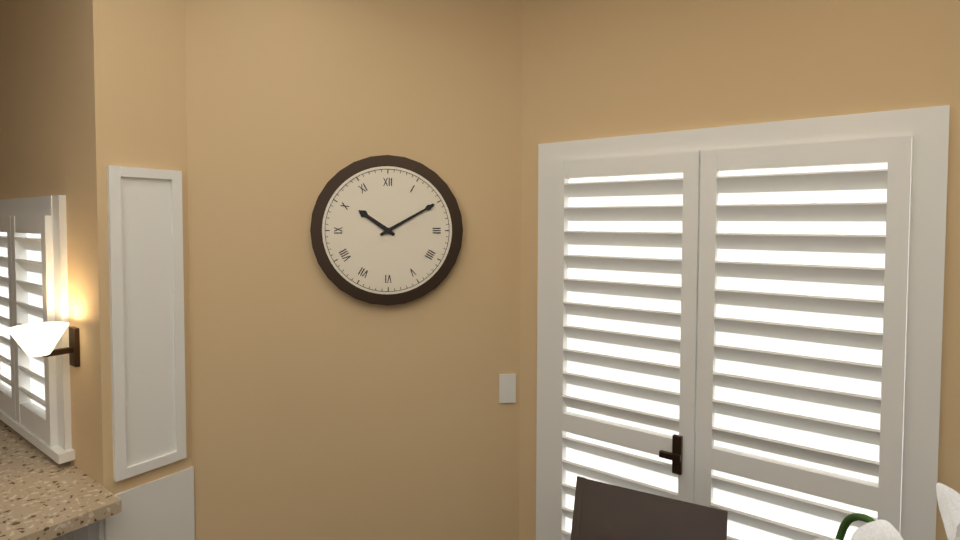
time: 10:10
